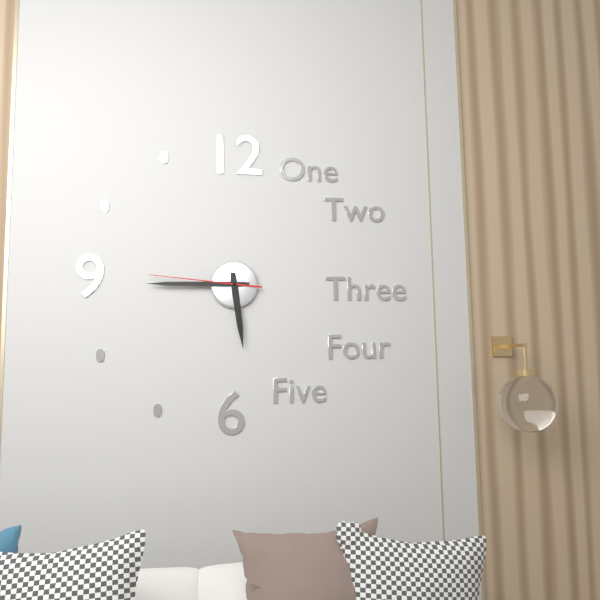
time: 5:45:46
